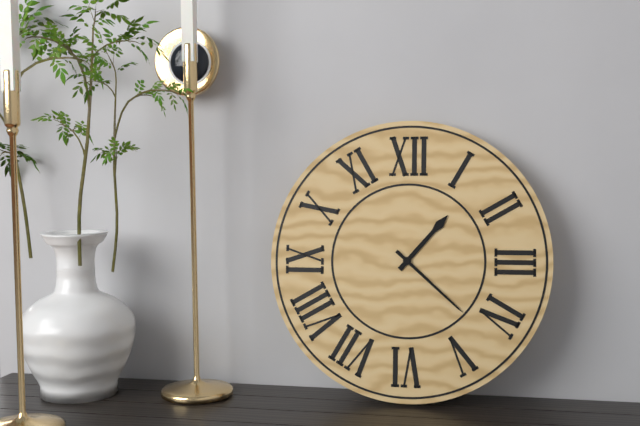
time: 1:22
